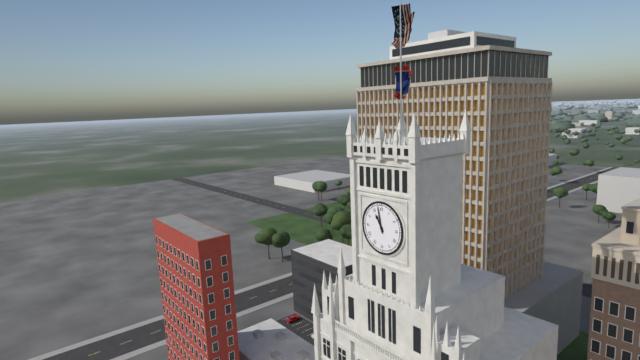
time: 10:58
